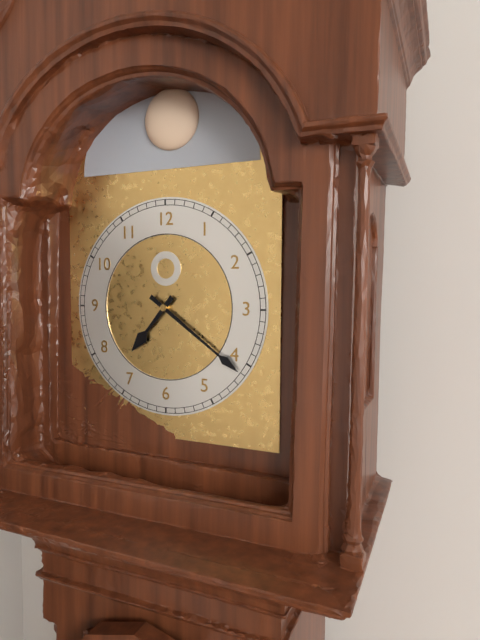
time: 7:21
